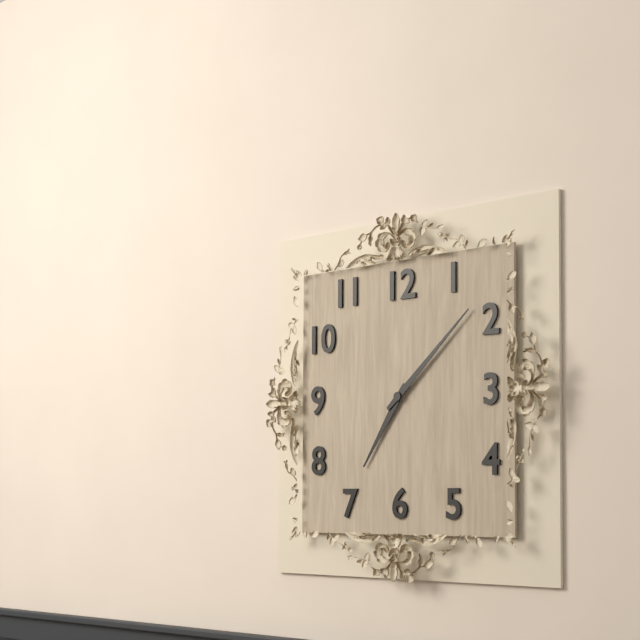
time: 7:08
